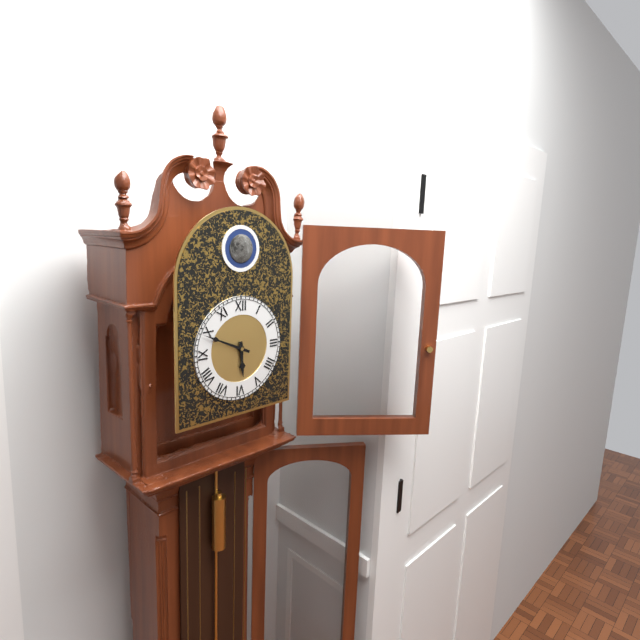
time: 5:49
